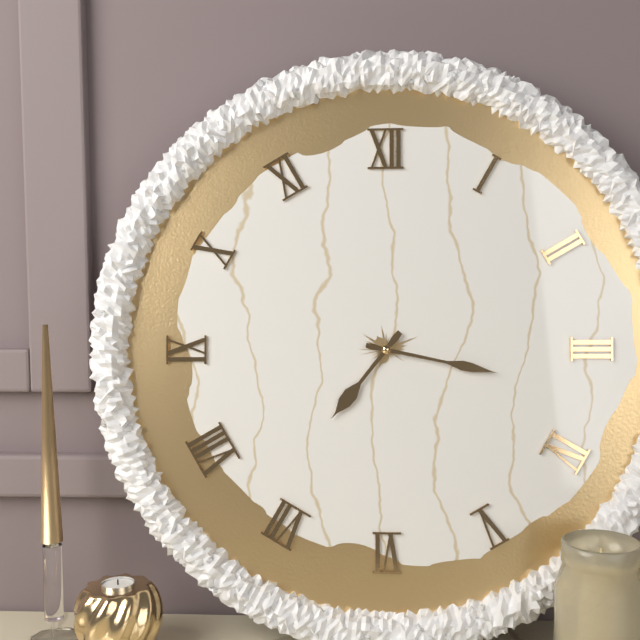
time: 7:17
